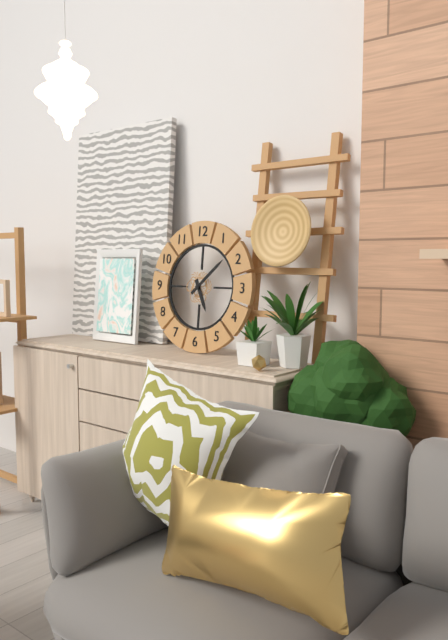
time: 5:08
